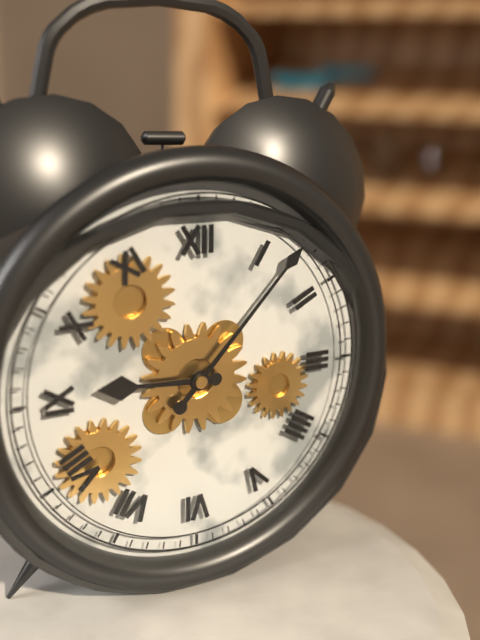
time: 9:07
